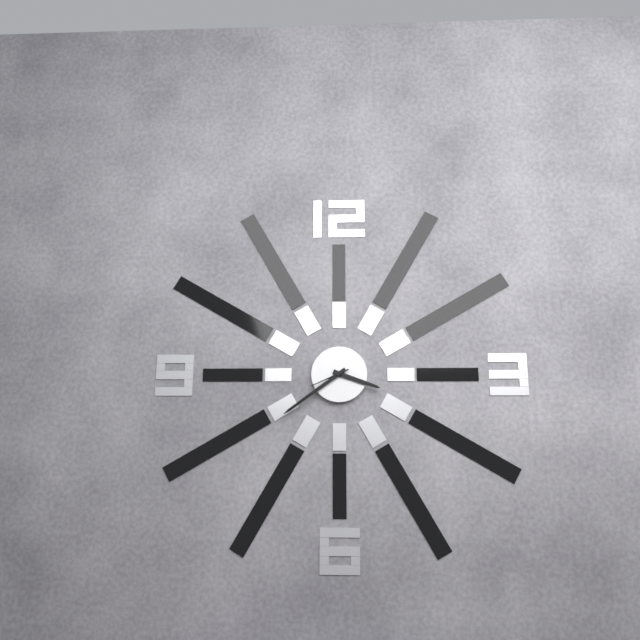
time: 3:39
